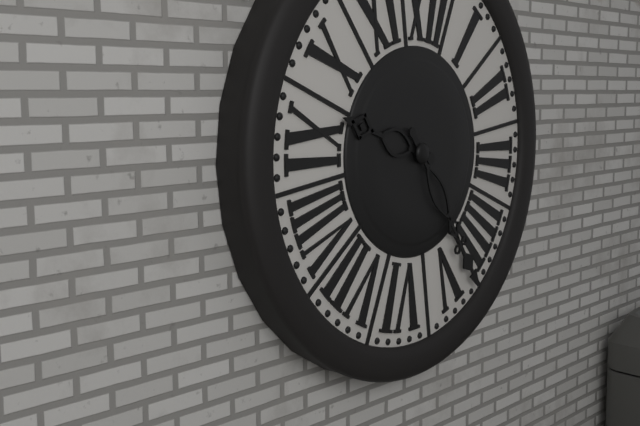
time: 9:23
